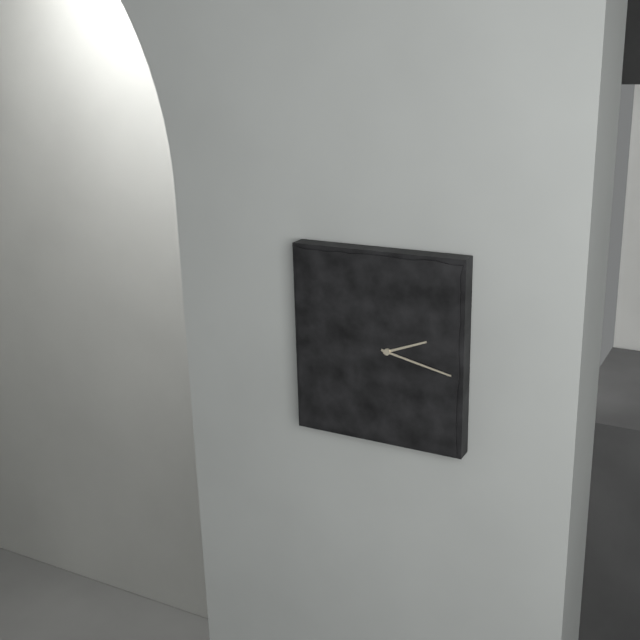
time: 2:17
